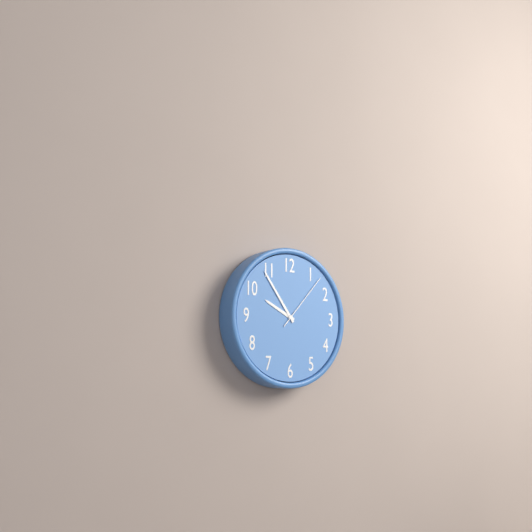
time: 9:54:07
